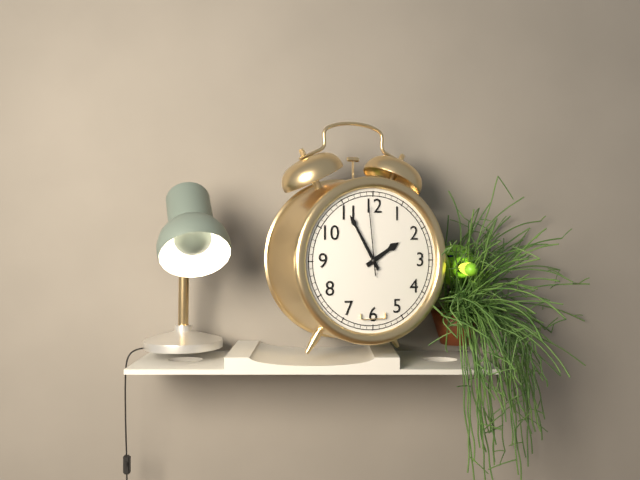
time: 1:55:59
